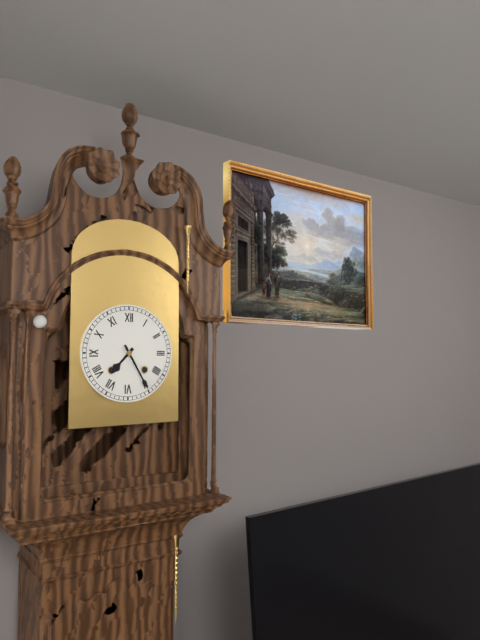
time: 7:25
